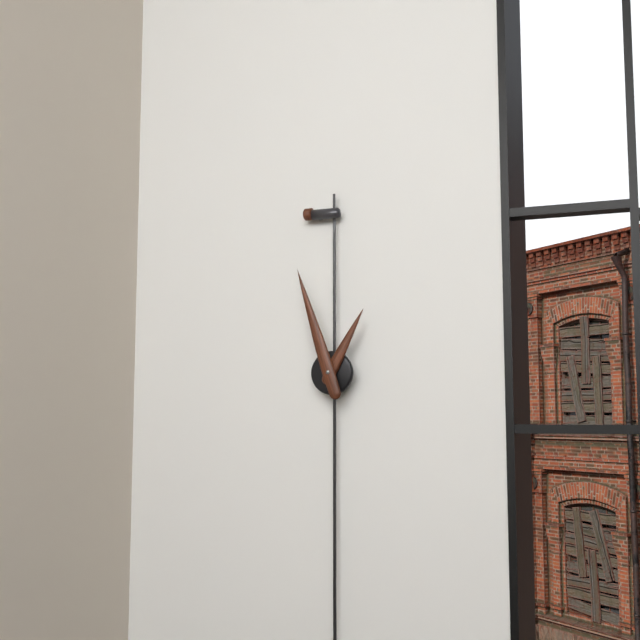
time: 12:57
